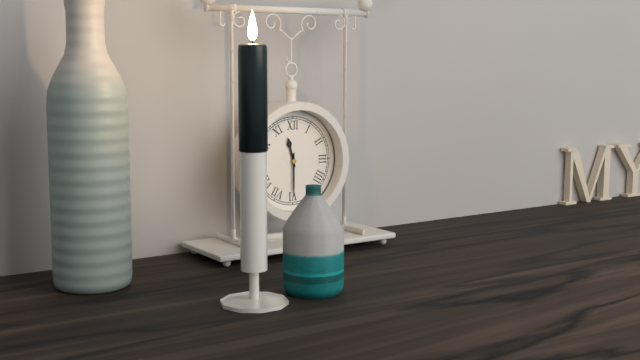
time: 11:30
